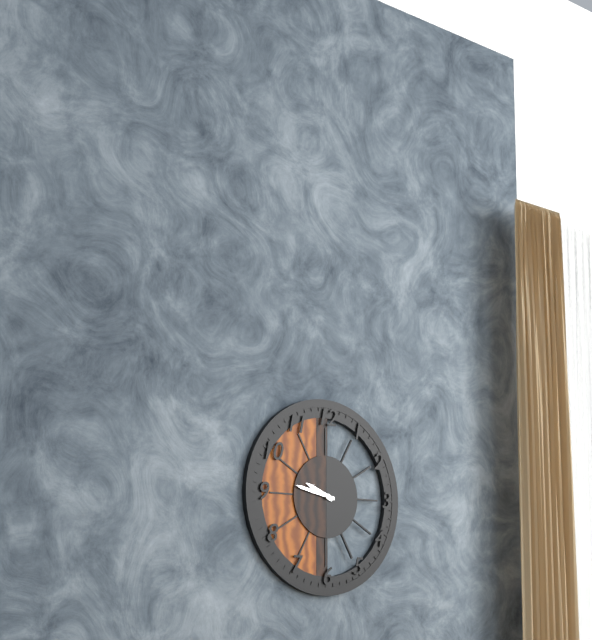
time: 9:47
